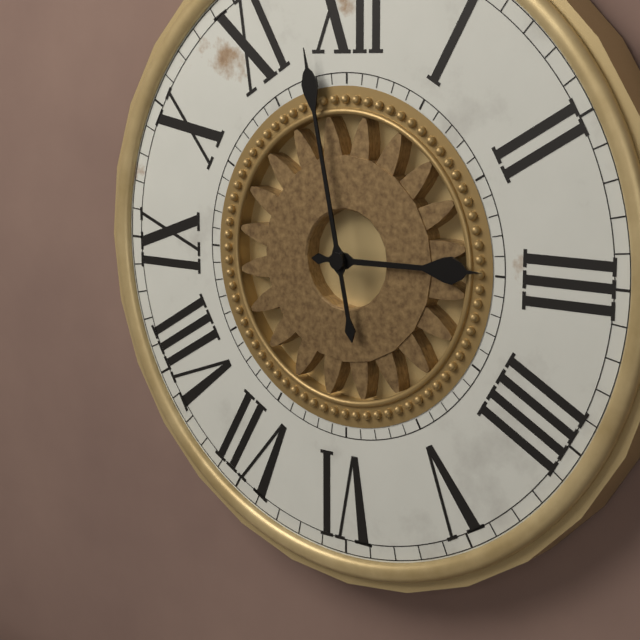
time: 2:58
